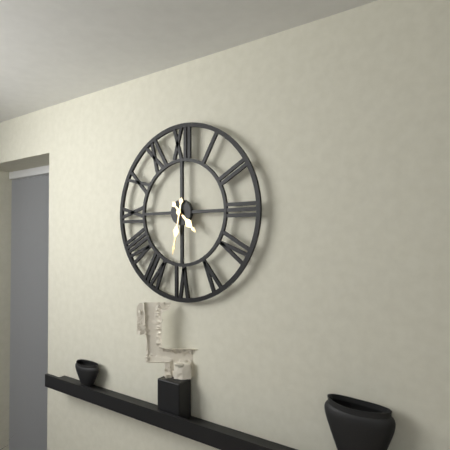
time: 4:32
